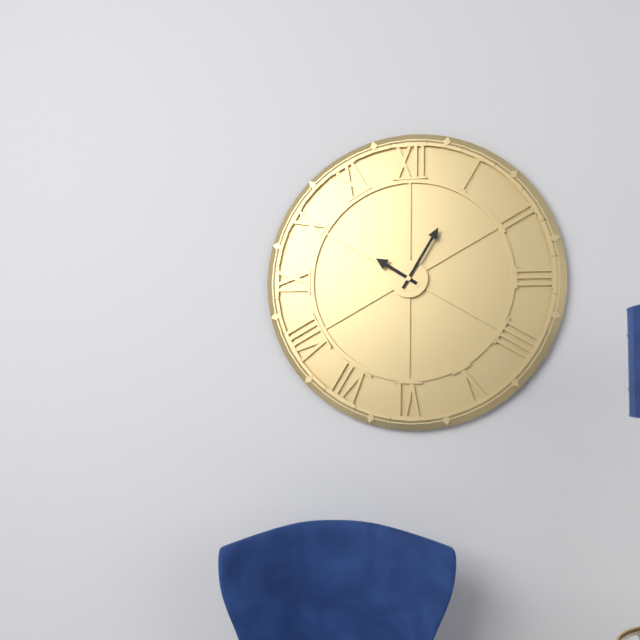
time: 10:05
